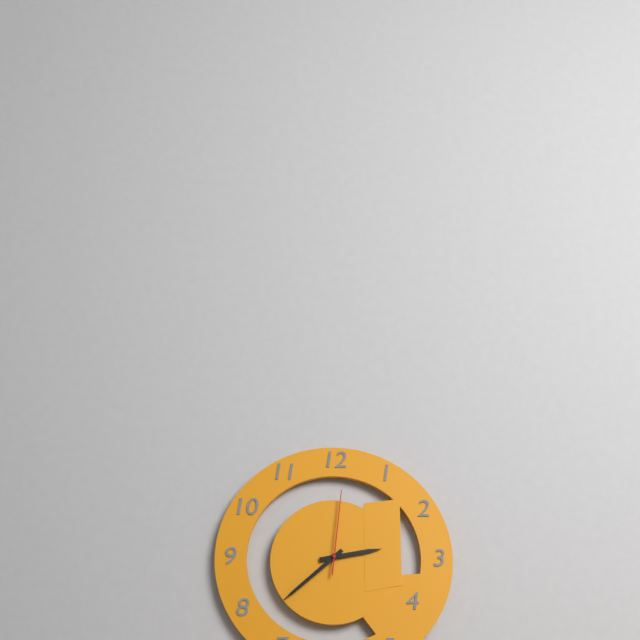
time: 2:38:01
